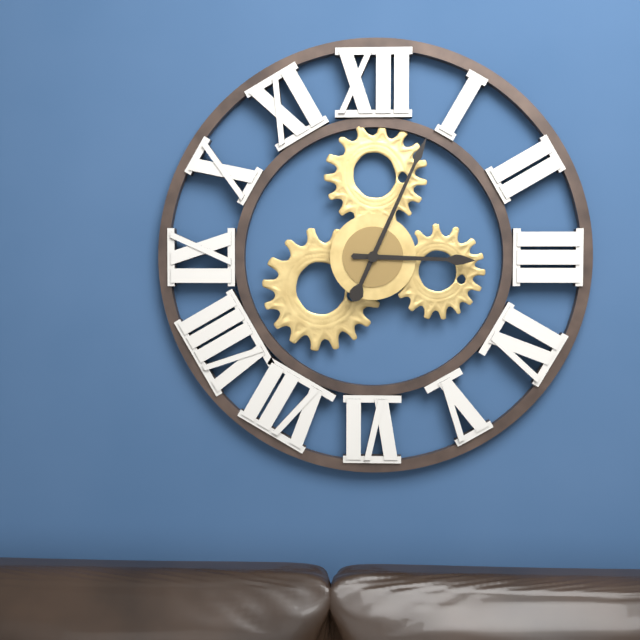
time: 3:04
